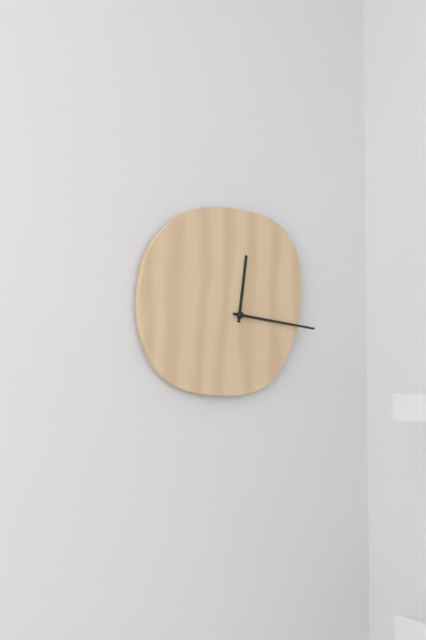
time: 12:16
